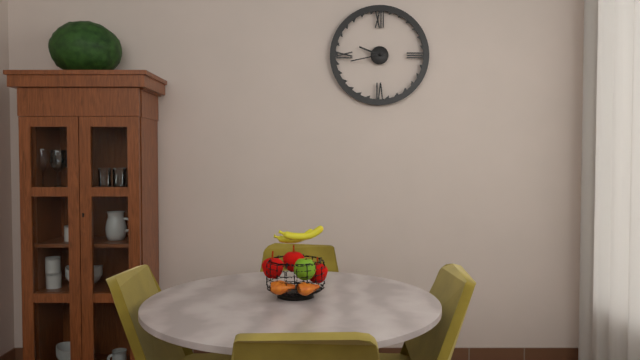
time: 9:43
